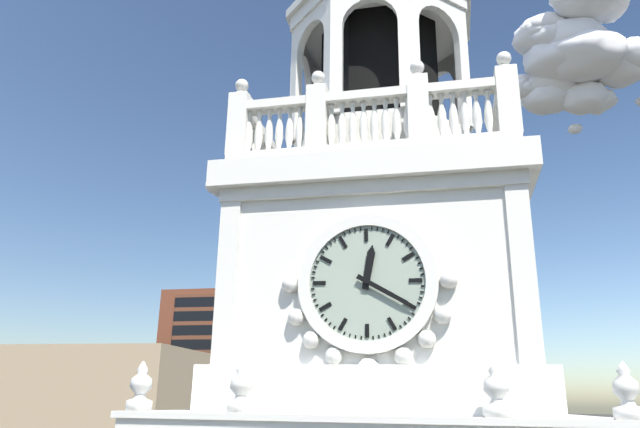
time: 12:20
